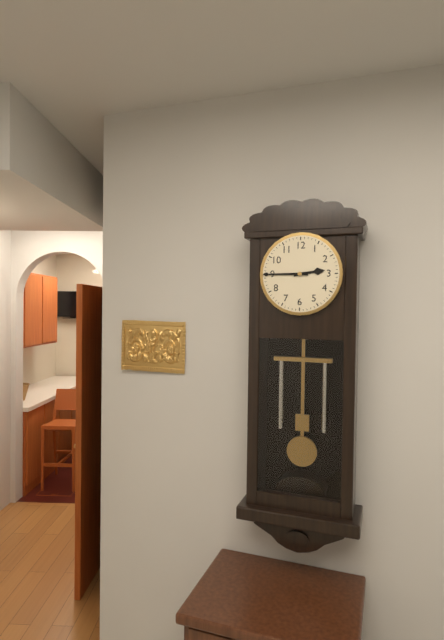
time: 2:45
